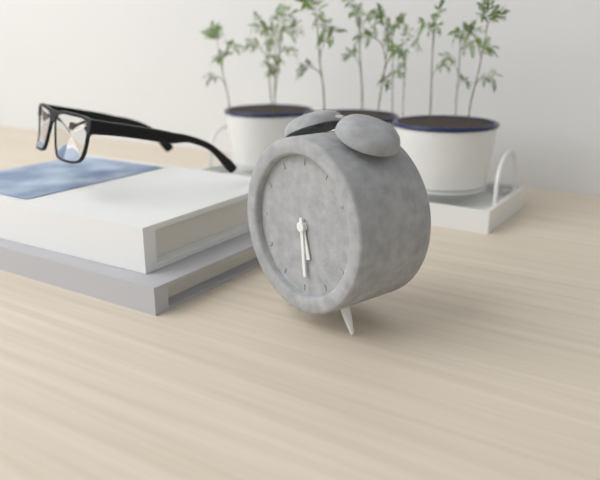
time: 5:29
